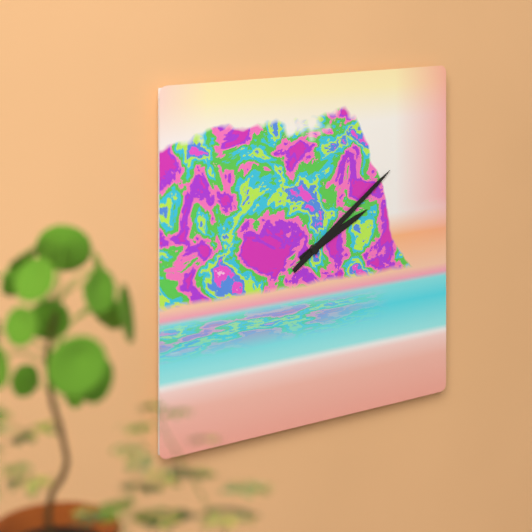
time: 2:09
